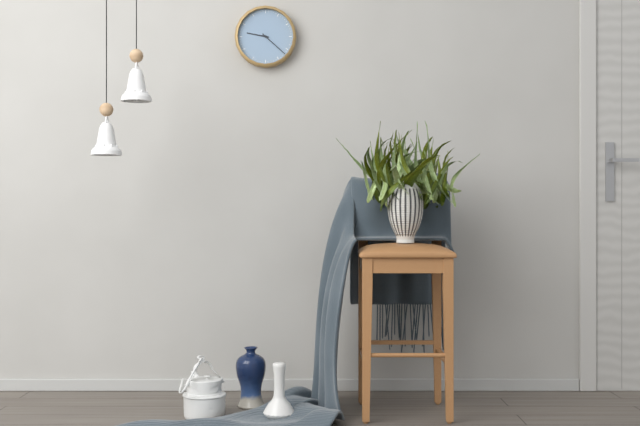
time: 9:22
